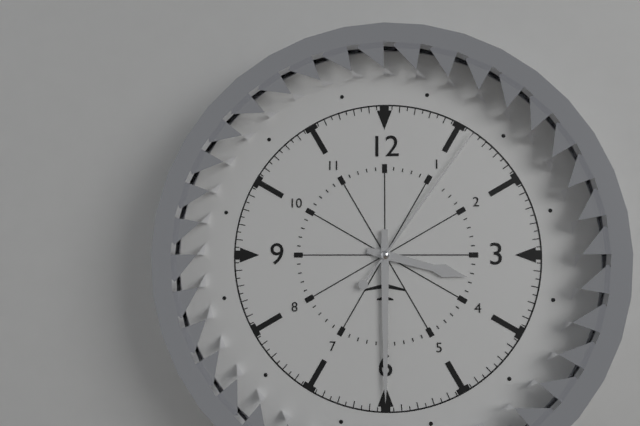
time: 3:30:06
